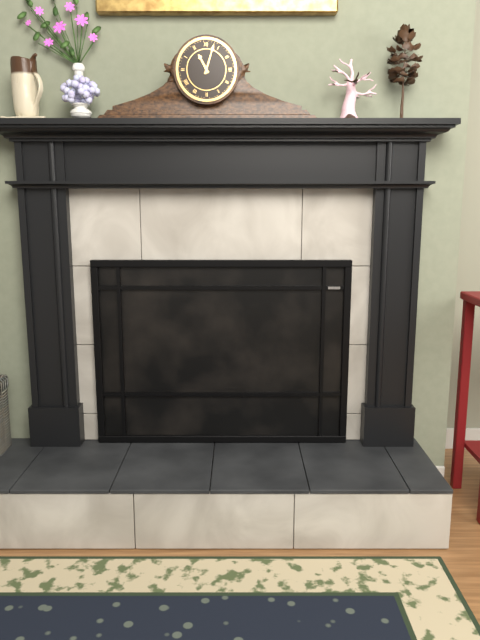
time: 11:03
